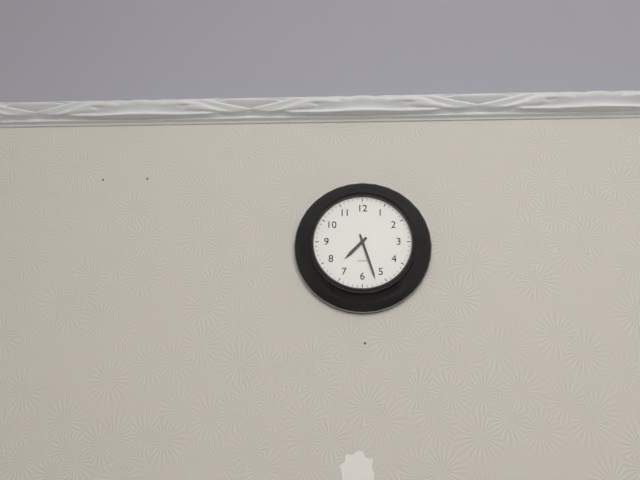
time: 7:27
